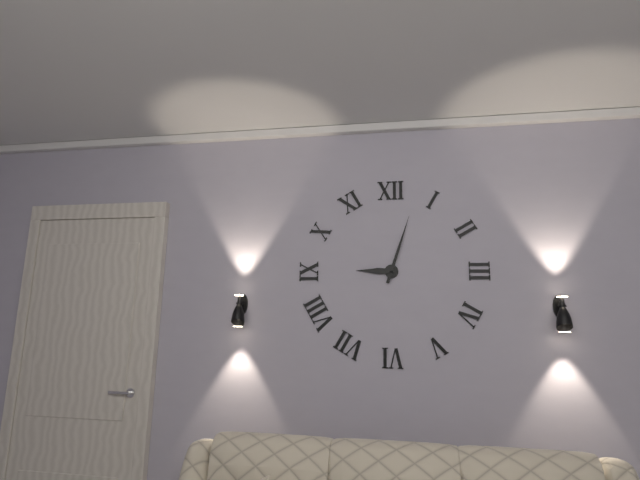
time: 9:03
